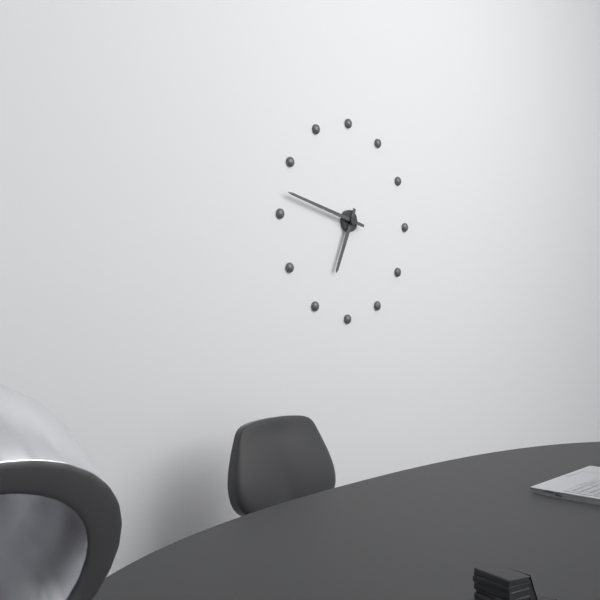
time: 6:47
